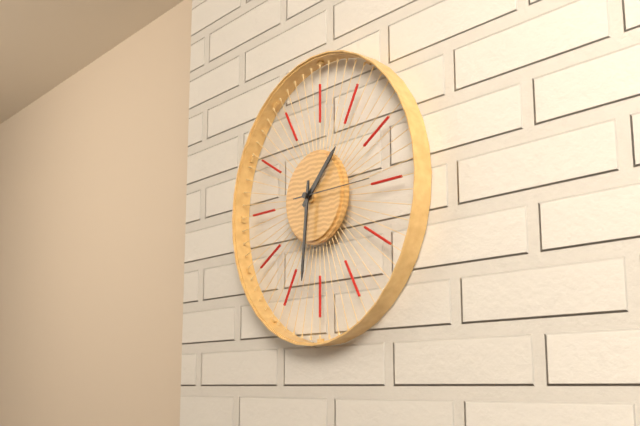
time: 1:31:15
